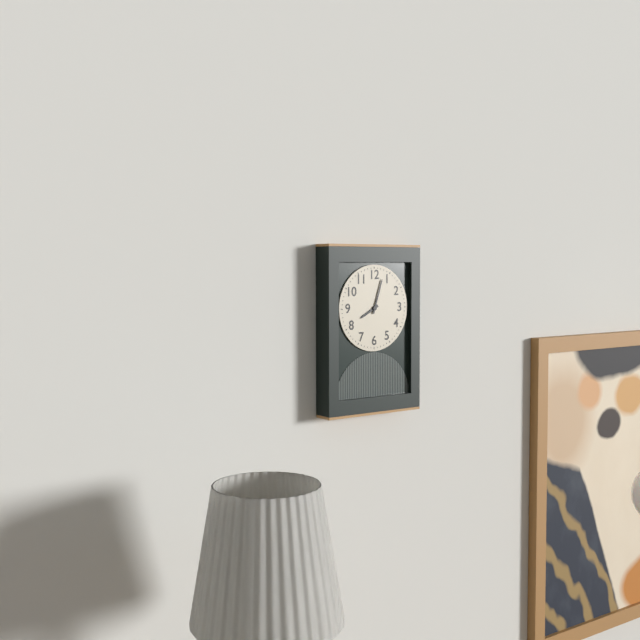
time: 8:03
